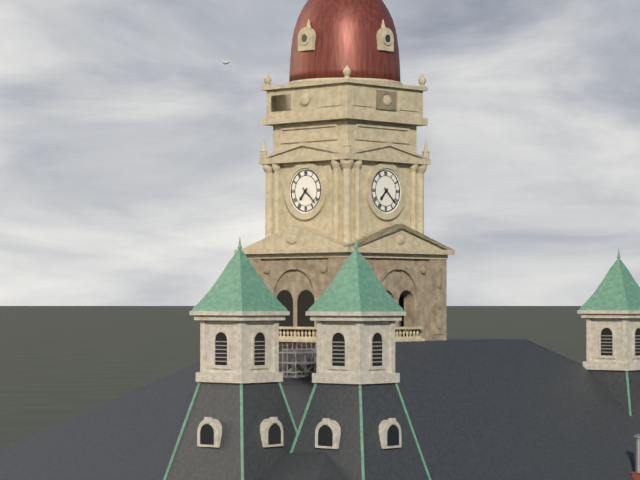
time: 7:22
